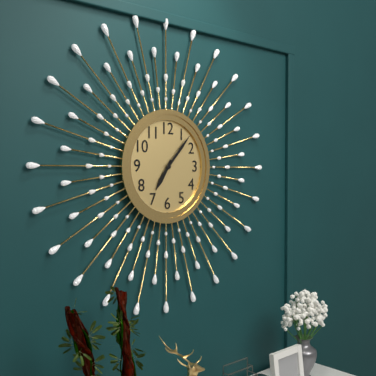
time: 7:07
